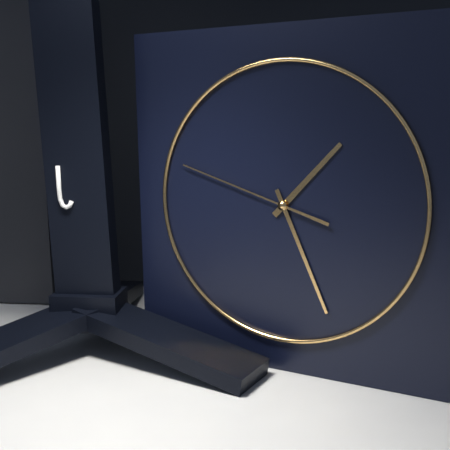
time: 1:26:48
